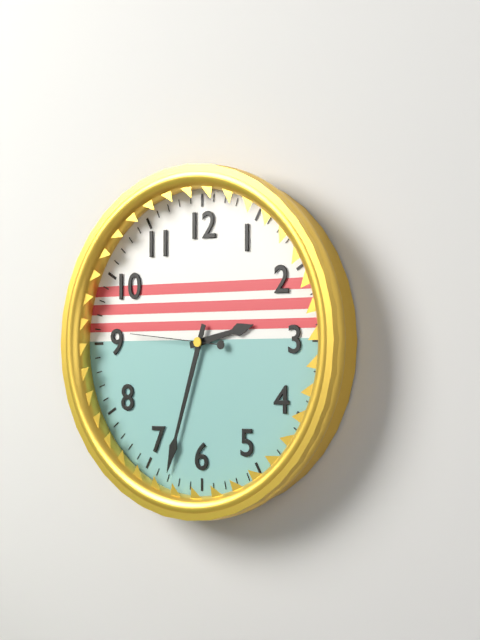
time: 2:33:46
